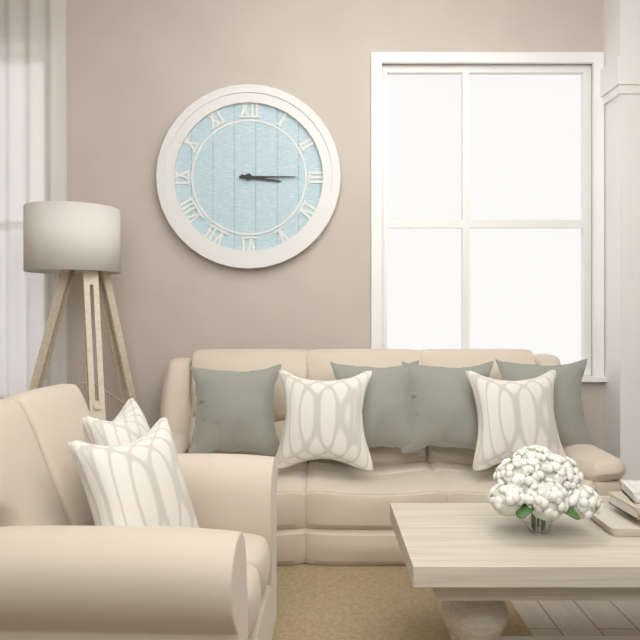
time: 3:15
